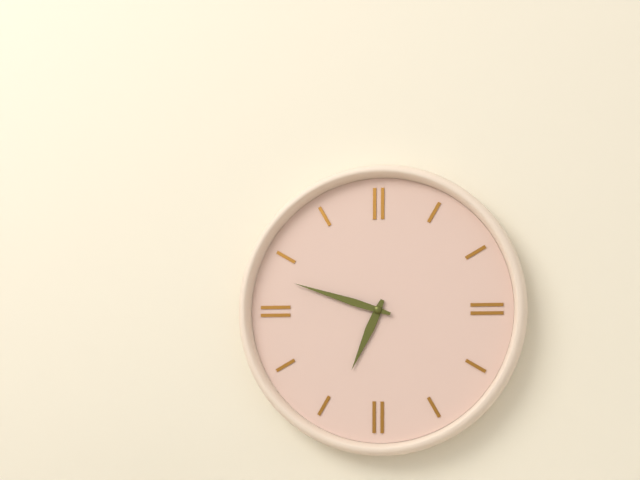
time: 6:48
